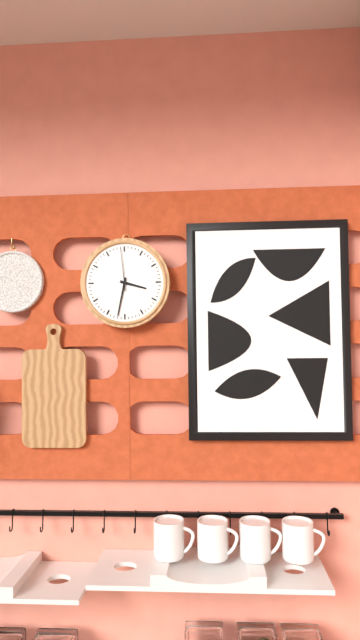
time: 3:32
